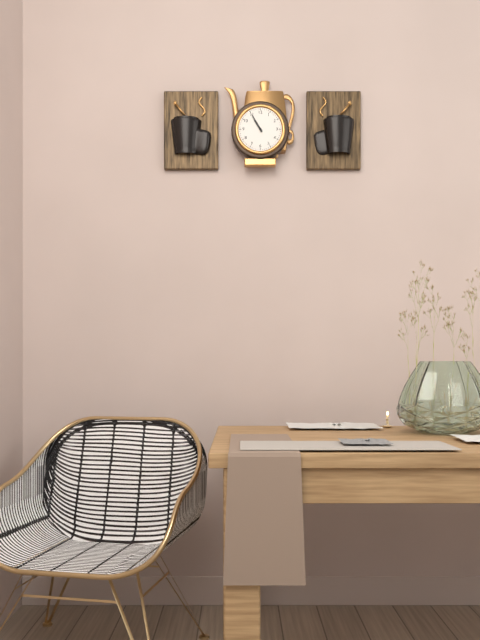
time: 10:55
